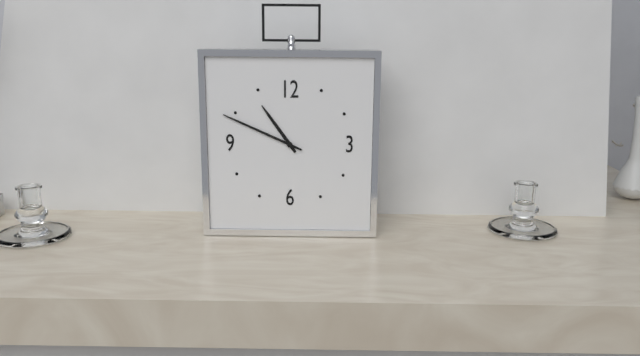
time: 10:49
